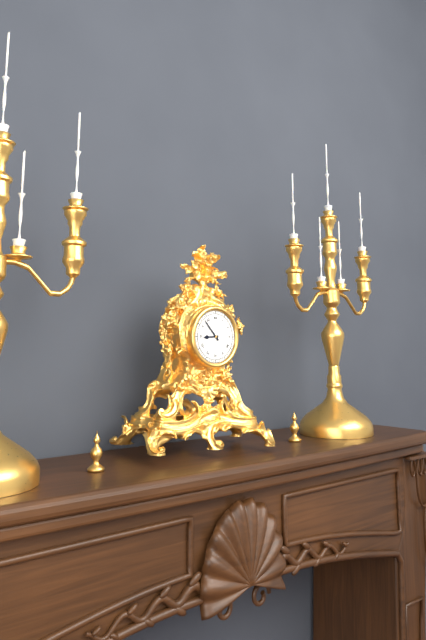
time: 8:53
